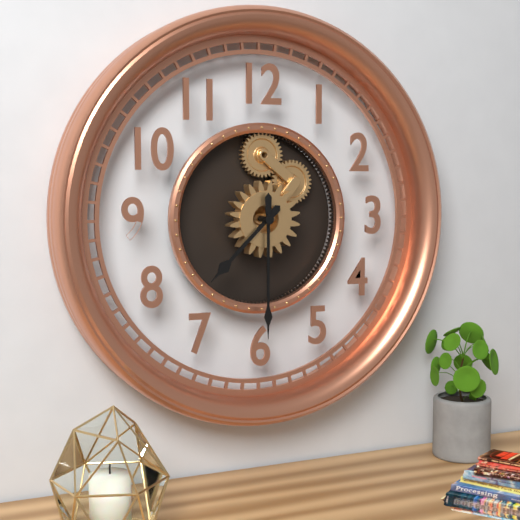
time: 7:30
